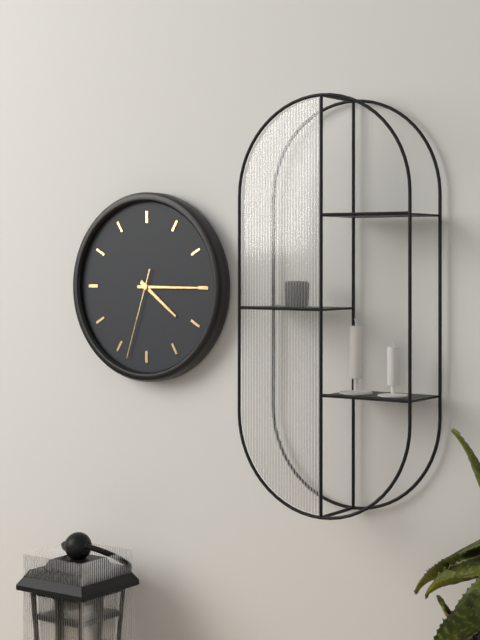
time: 4:15:33
